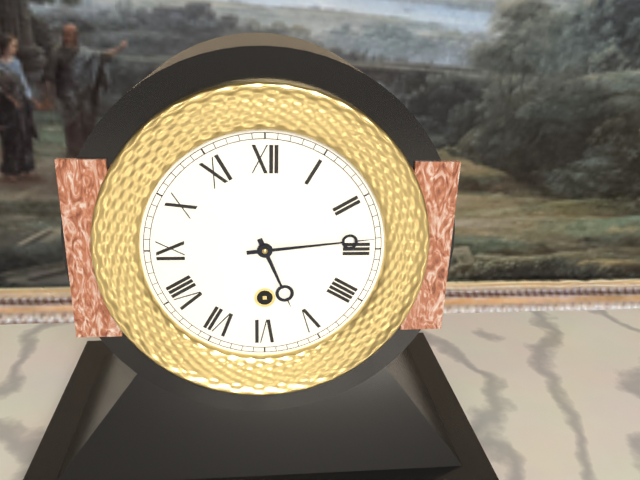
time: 5:14
